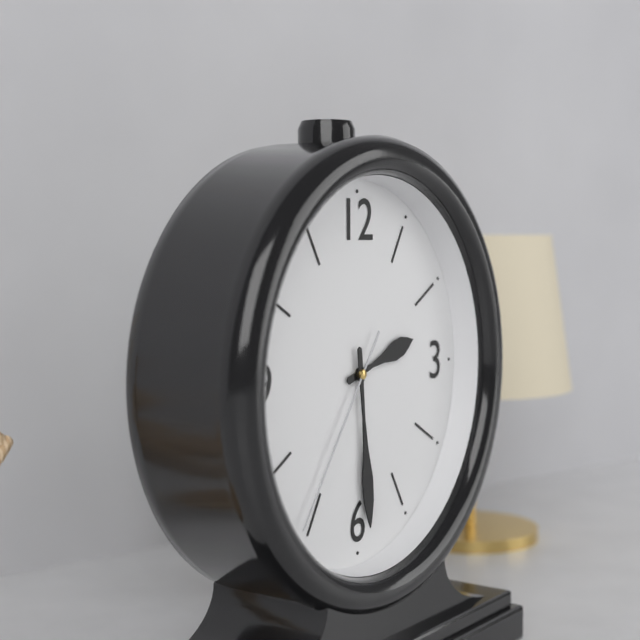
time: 2:29:36
